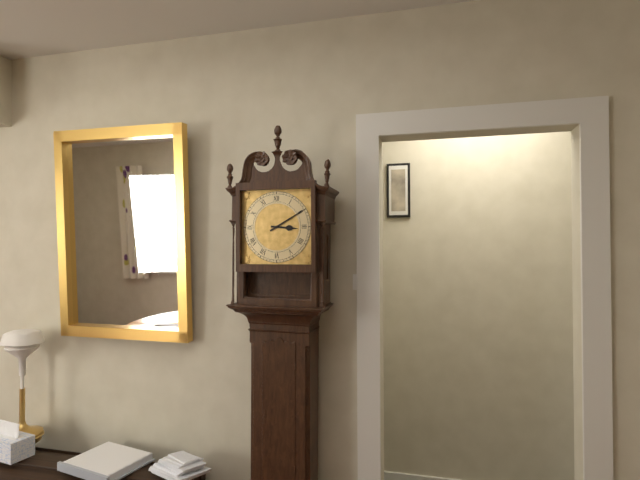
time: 3:10
